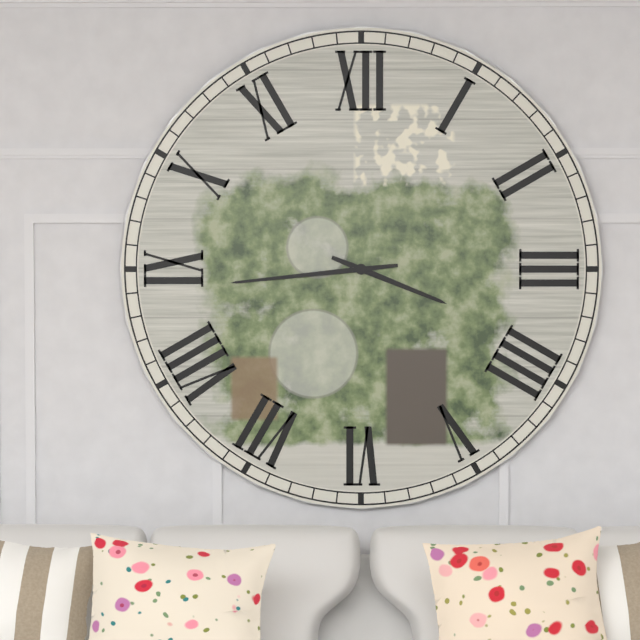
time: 3:44
